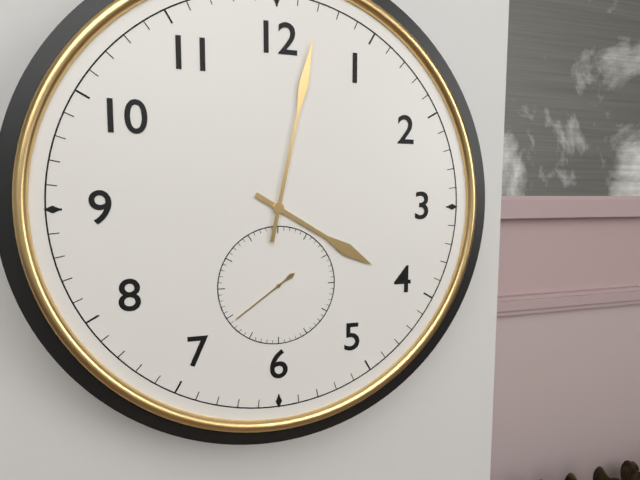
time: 4:02:39
